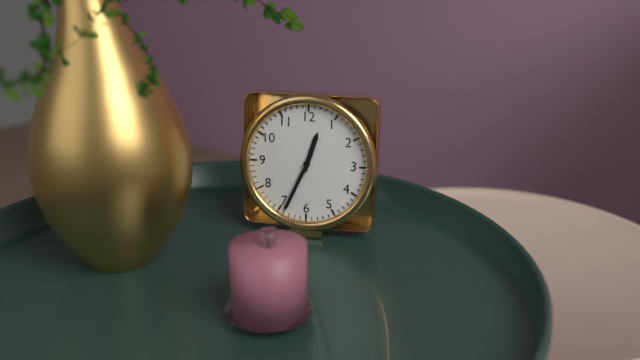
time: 12:34
